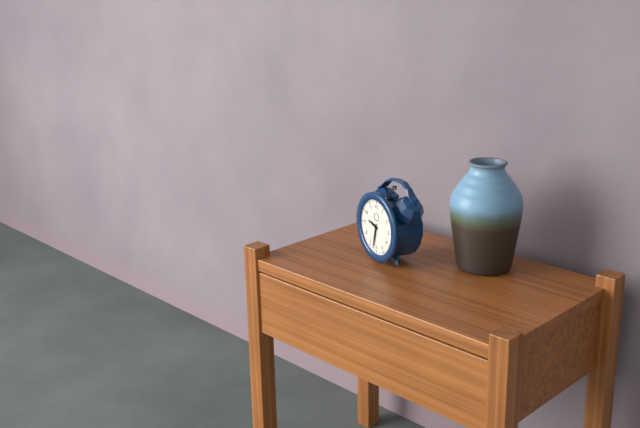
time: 9:32
